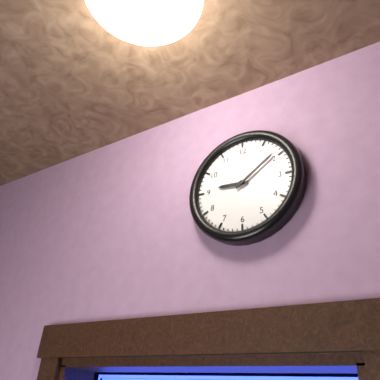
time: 9:09
